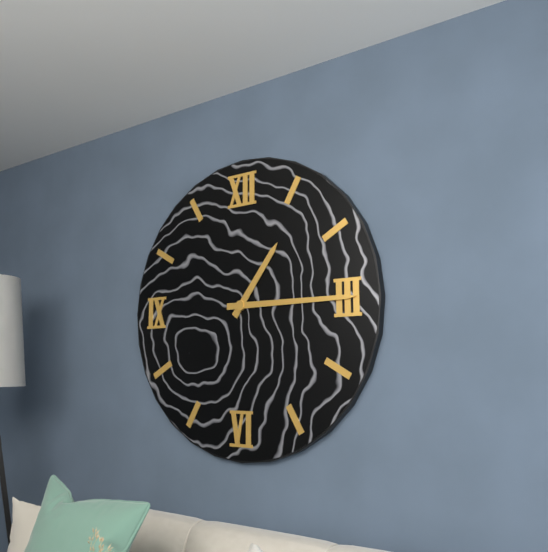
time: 1:15
